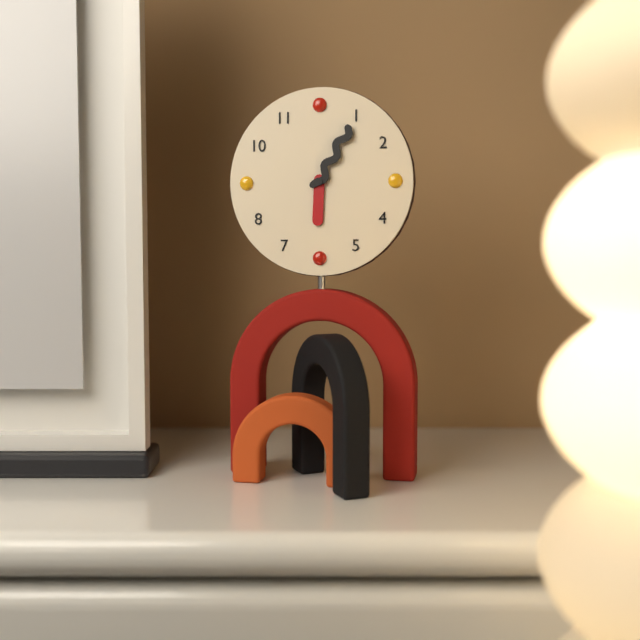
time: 6:05
